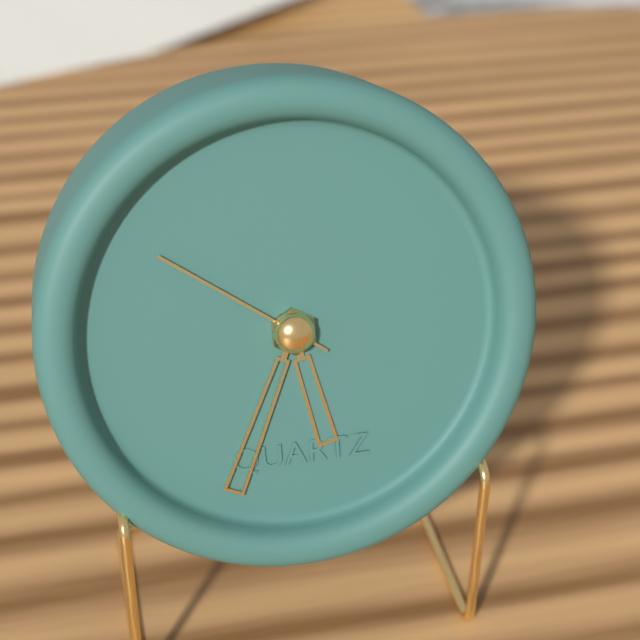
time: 5:34:51
